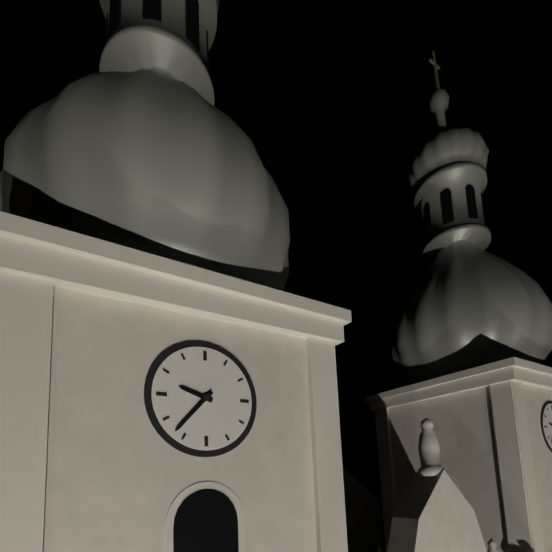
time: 9:37
